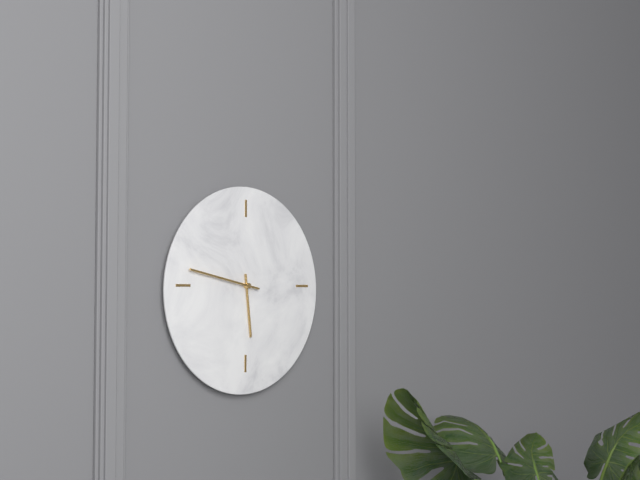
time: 5:47
